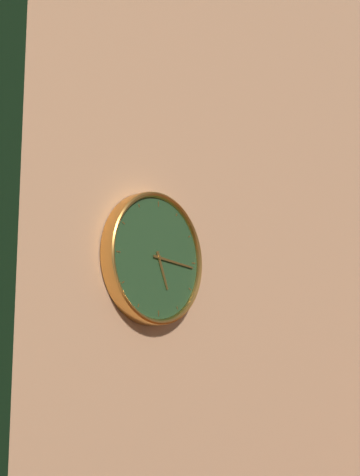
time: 5:16
